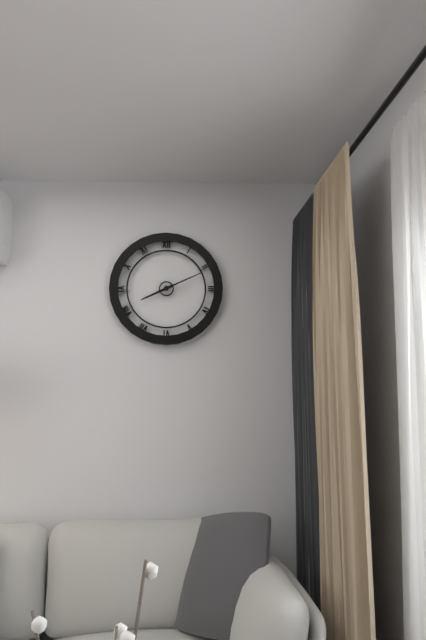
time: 8:11
